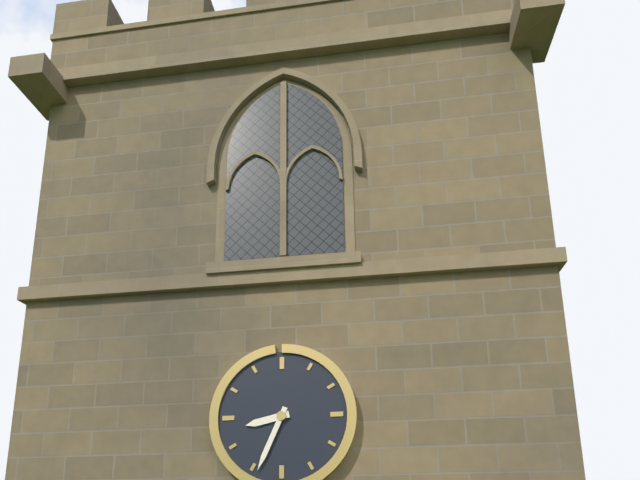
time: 8:34
